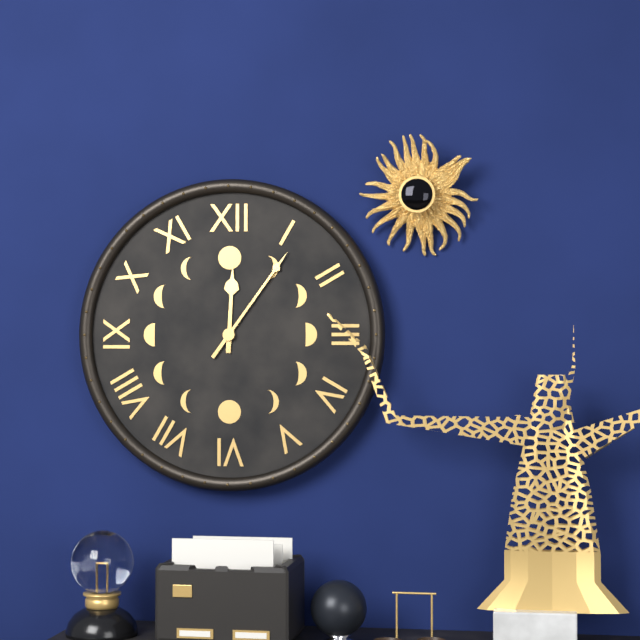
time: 12:06
